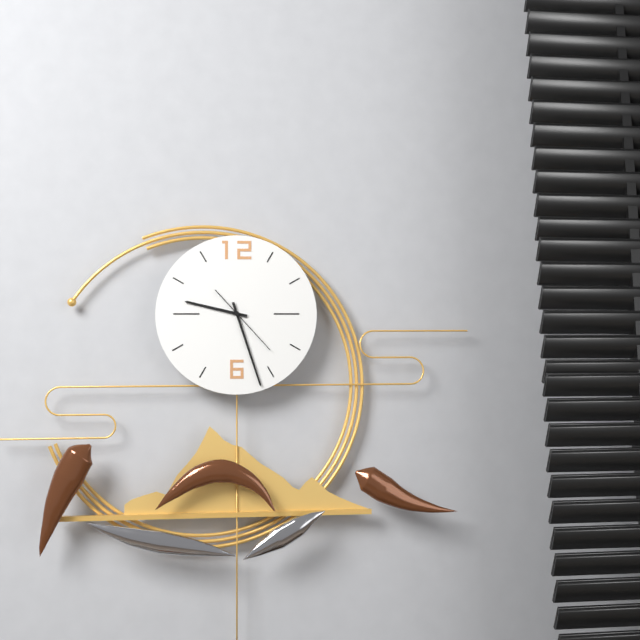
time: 9:27:23
